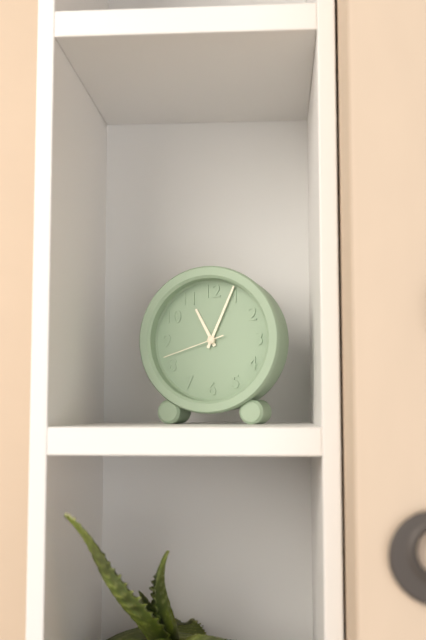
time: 11:04:42
